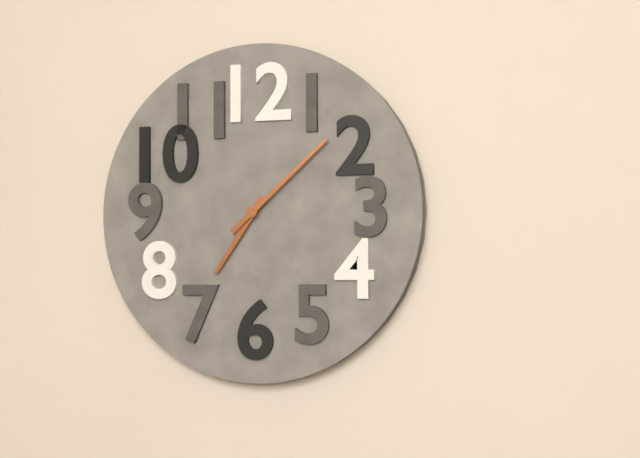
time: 7:08
